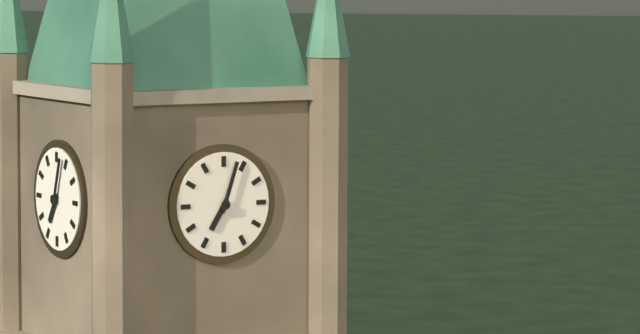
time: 7:03
